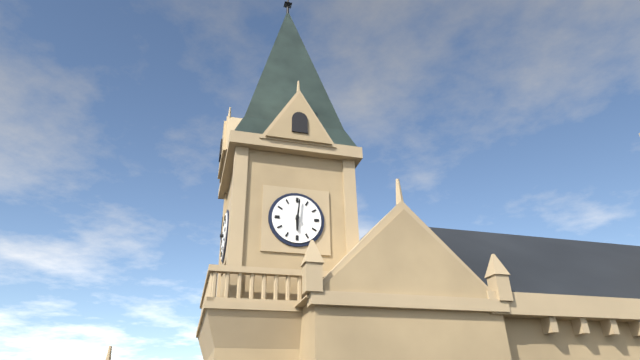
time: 6:01
